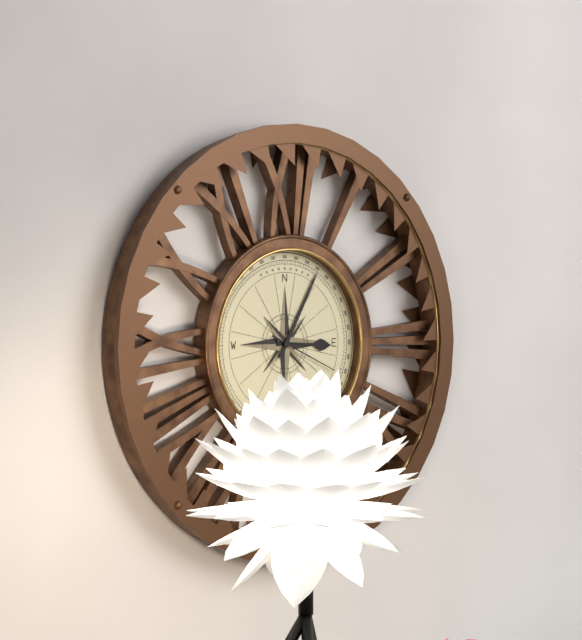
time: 3:05:19
